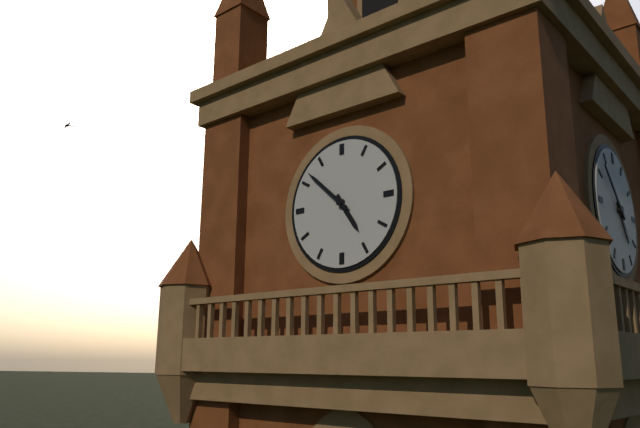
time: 4:52
